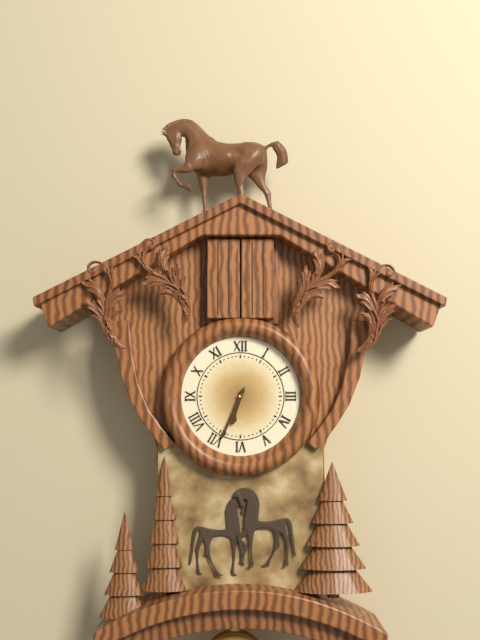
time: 6:34
